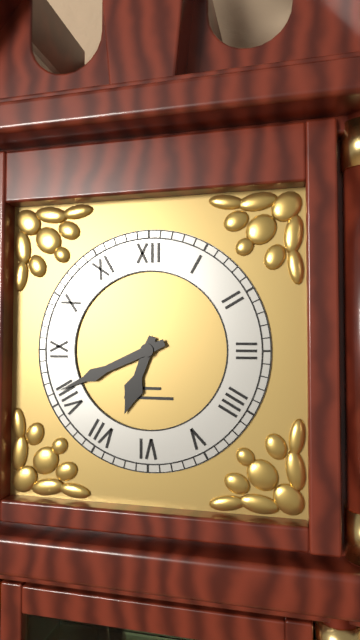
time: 6:41
